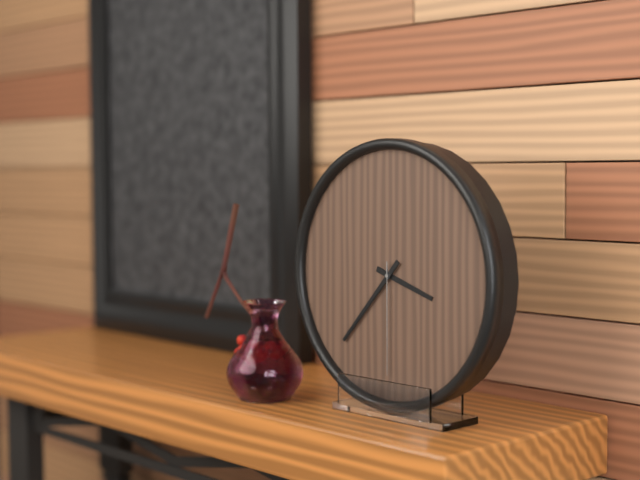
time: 3:37:30
